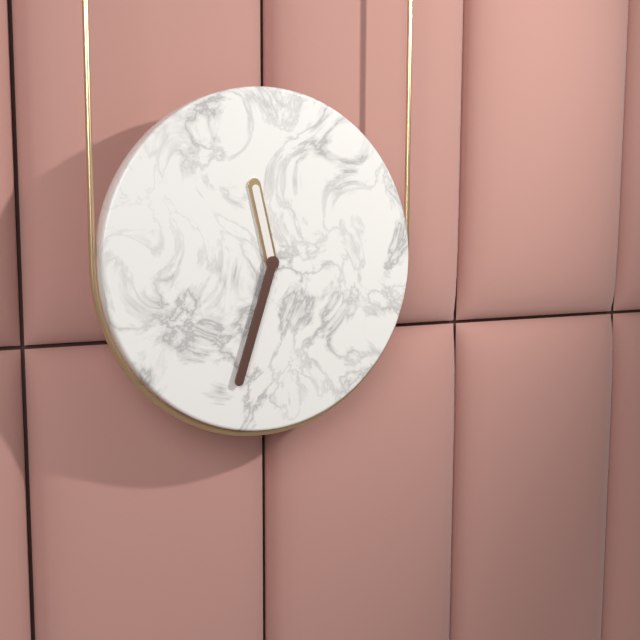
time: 11:33
